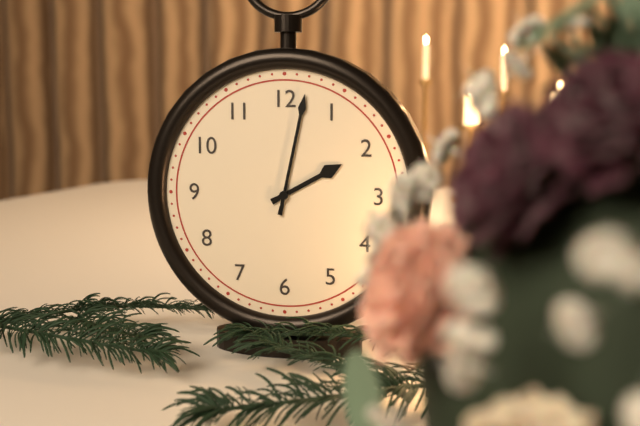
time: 2:02
